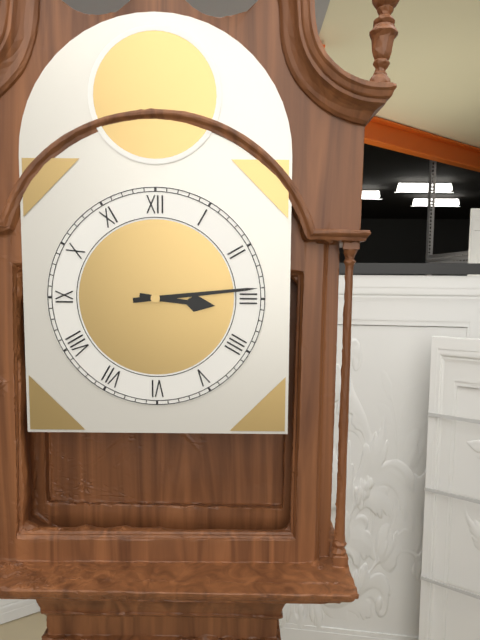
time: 3:14
